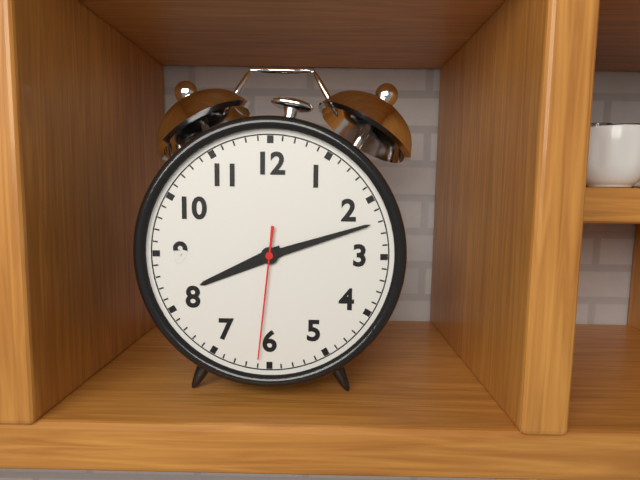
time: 8:12:31
